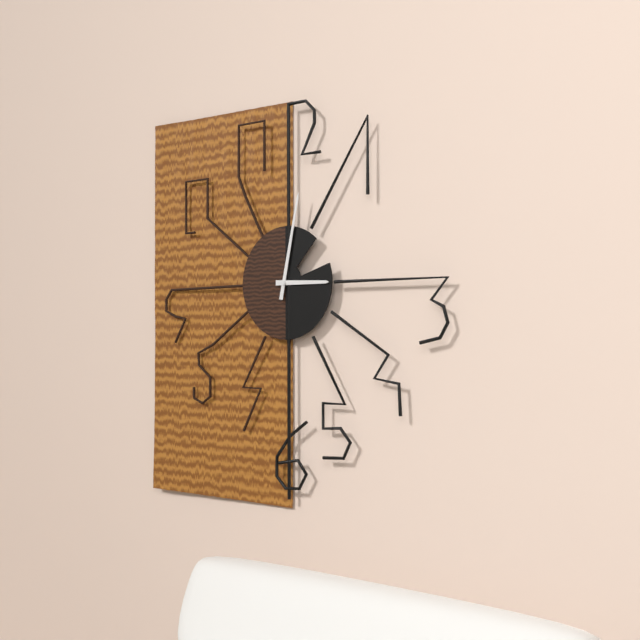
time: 3:02
